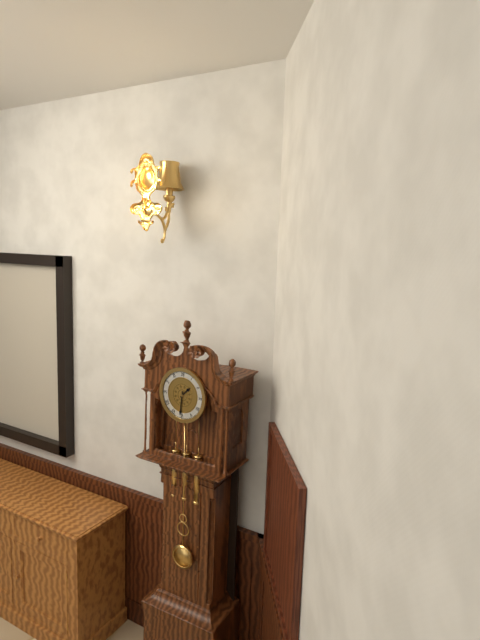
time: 1:31
